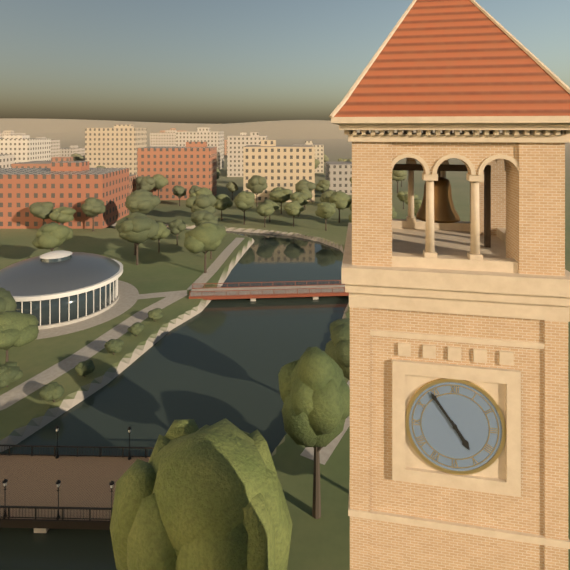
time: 4:54
